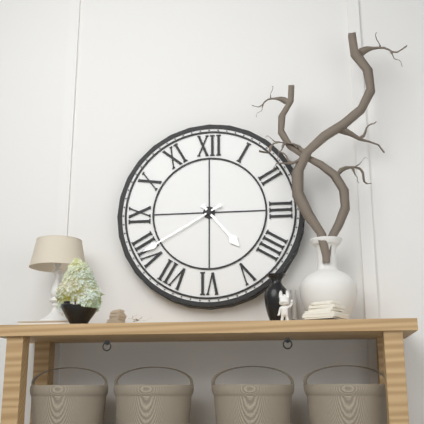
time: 4:40
